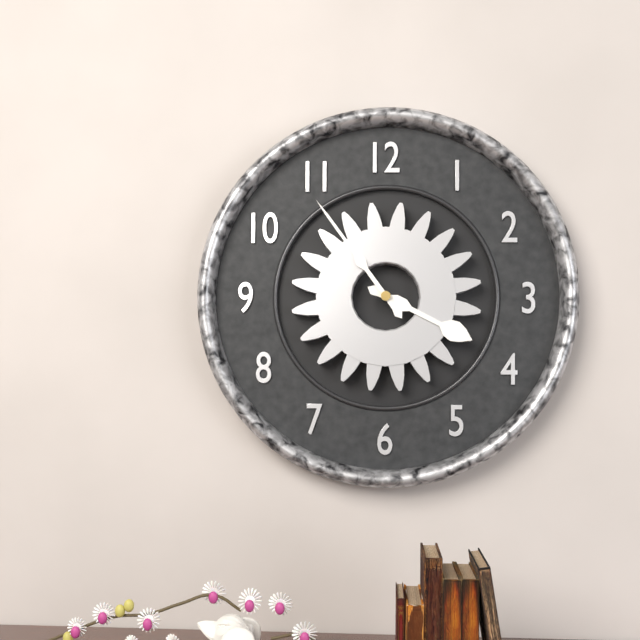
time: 3:54
